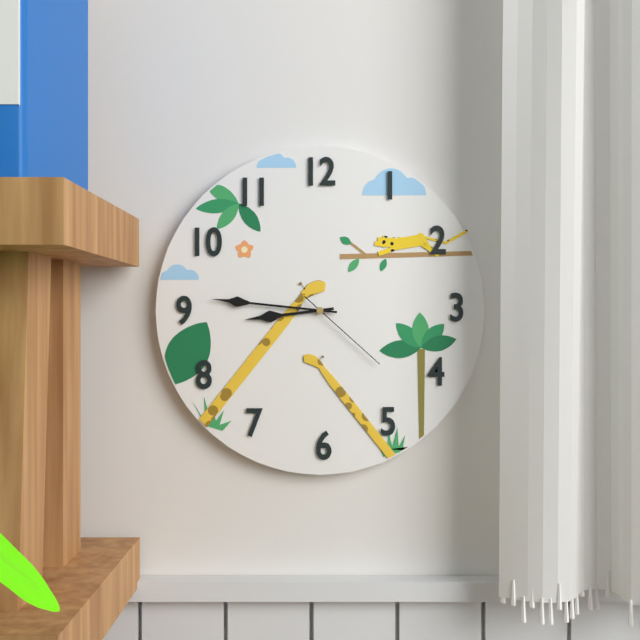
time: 8:46:22
